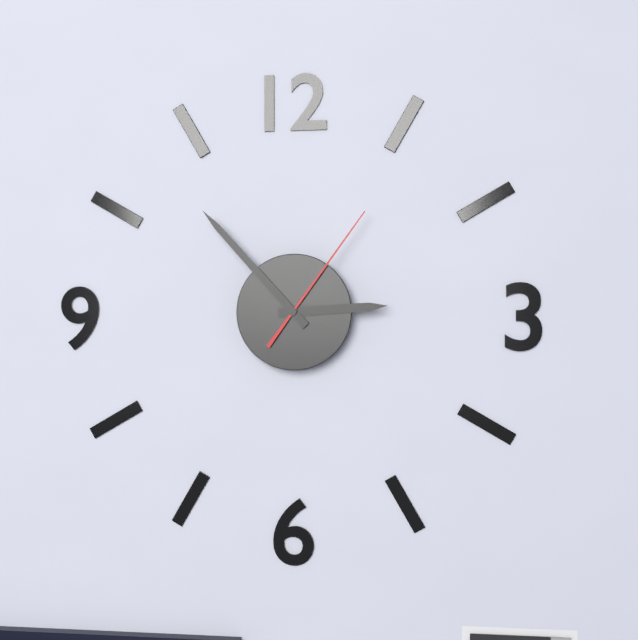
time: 2:53:06
